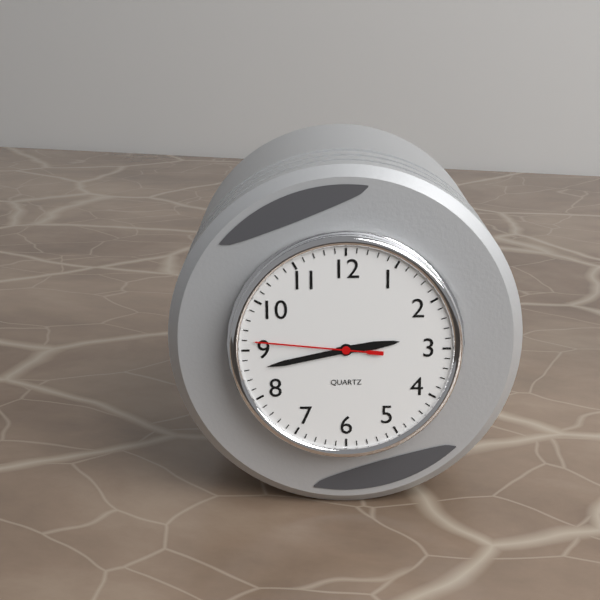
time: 2:43:46
